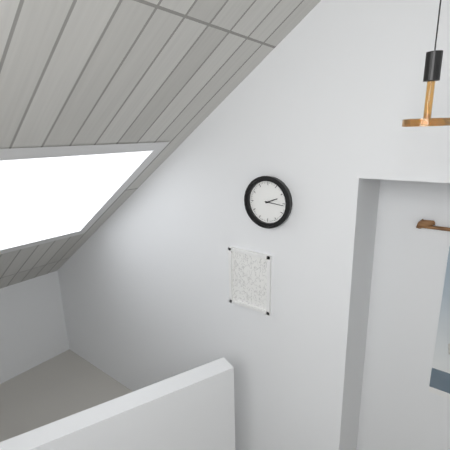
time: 2:16
